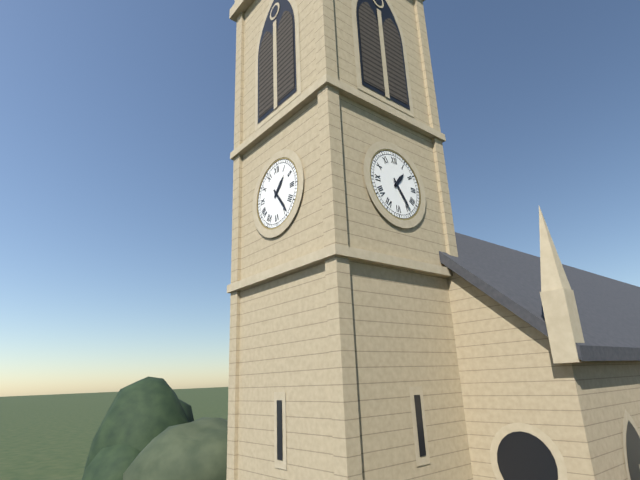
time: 1:24
